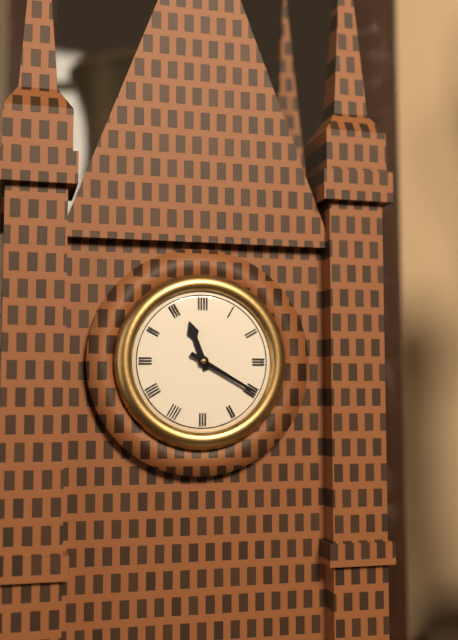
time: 11:20
